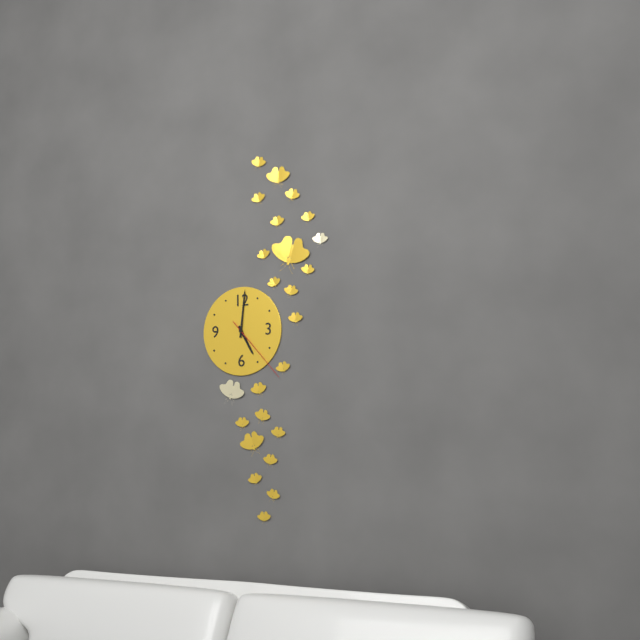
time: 5:01:23
